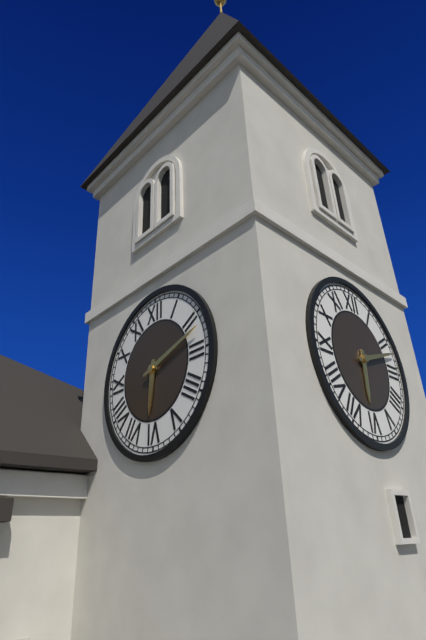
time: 6:12
